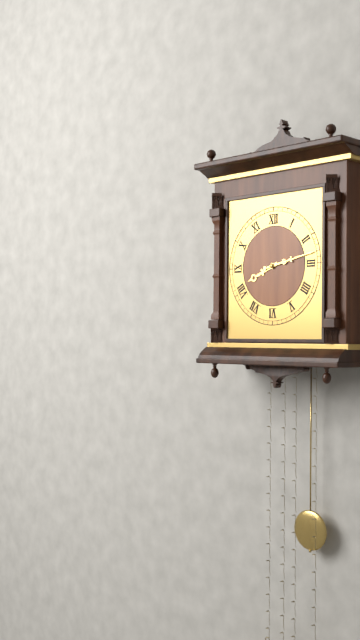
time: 8:13
